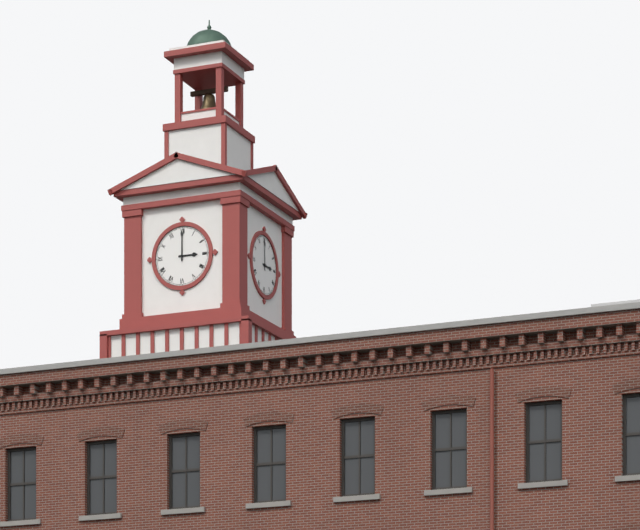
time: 3:00
